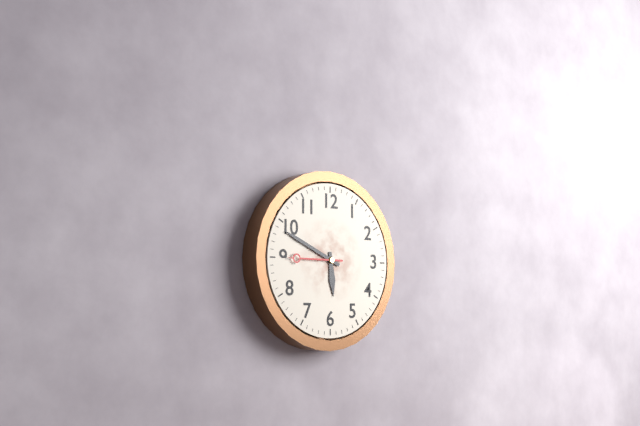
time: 5:49:45
